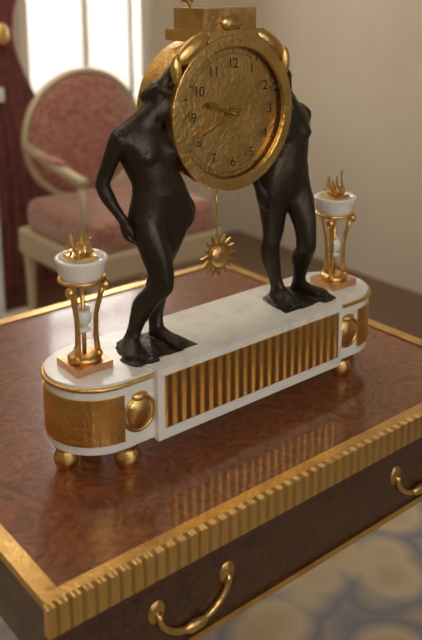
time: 9:41
